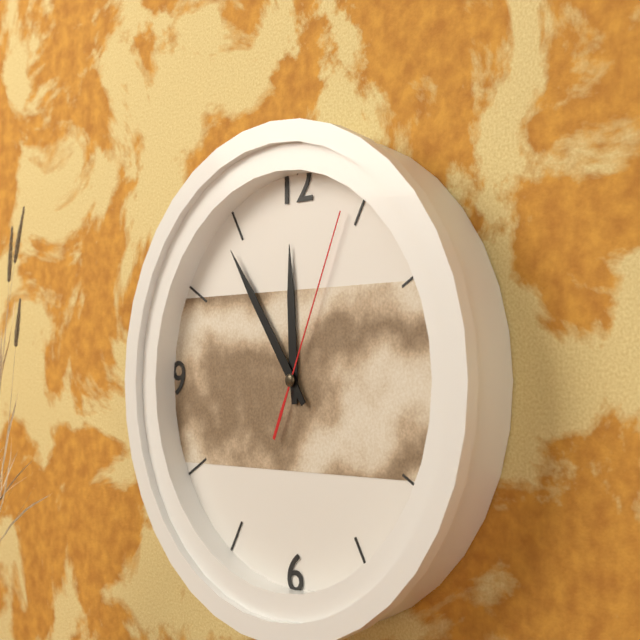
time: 11:54:04
